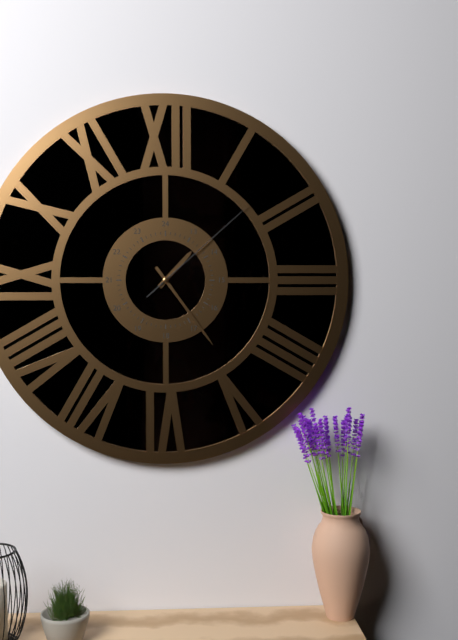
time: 1:24:08
